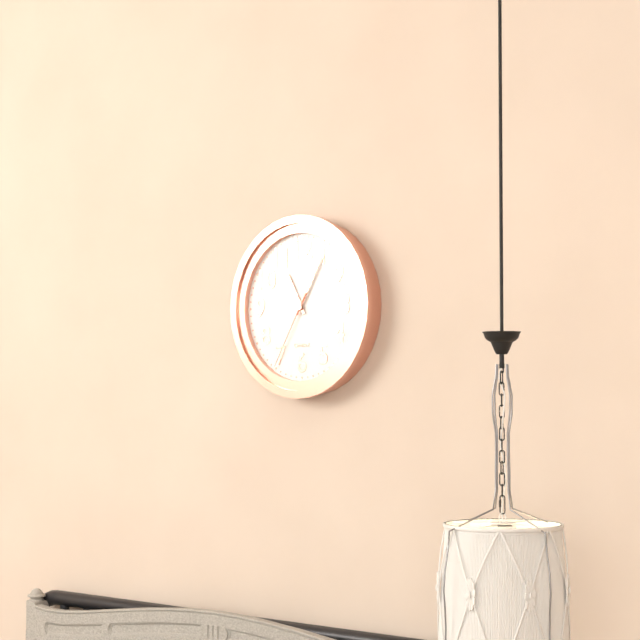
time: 11:05:35
